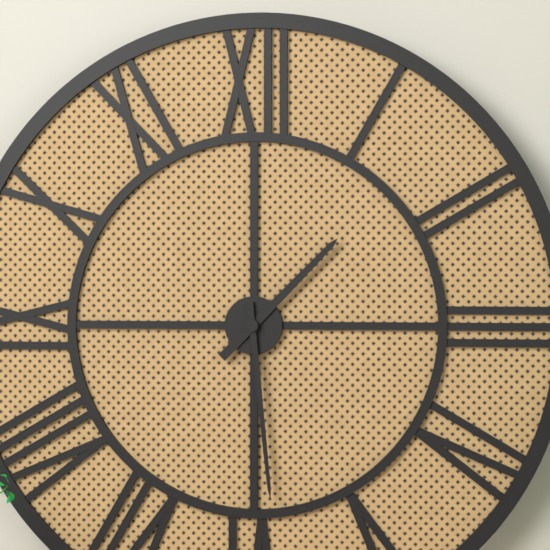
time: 1:29
